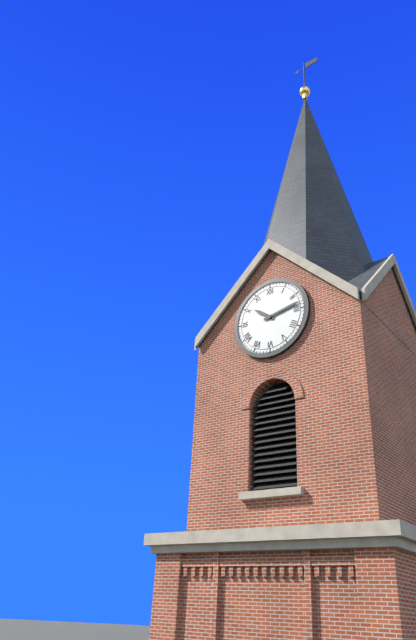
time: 10:13
